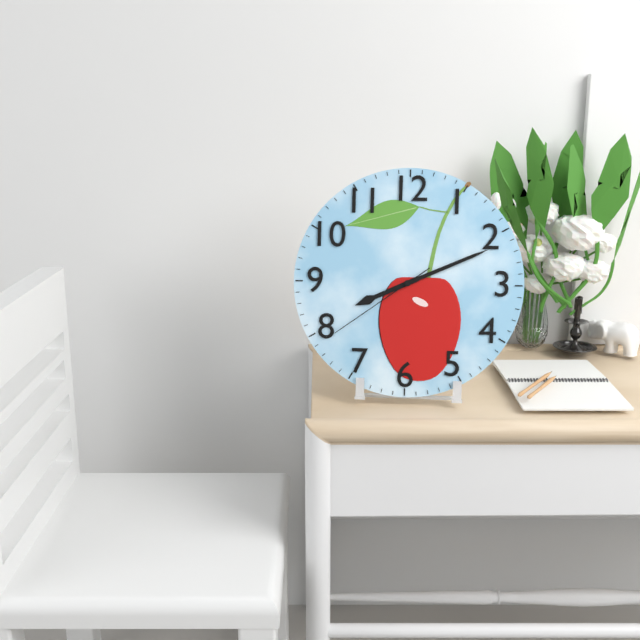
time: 8:11:39
